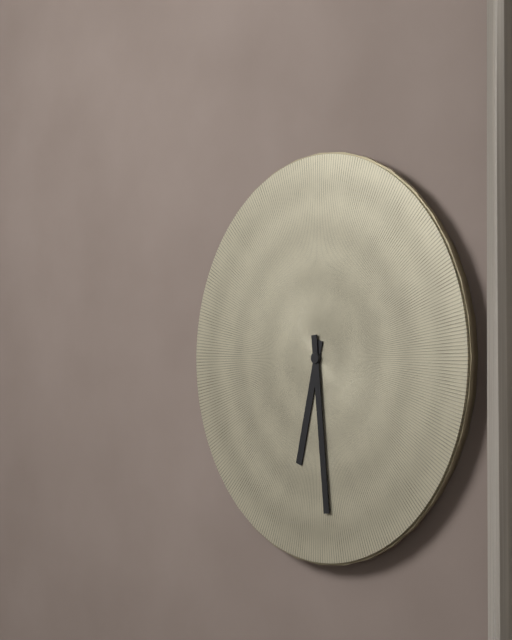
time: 6:29
